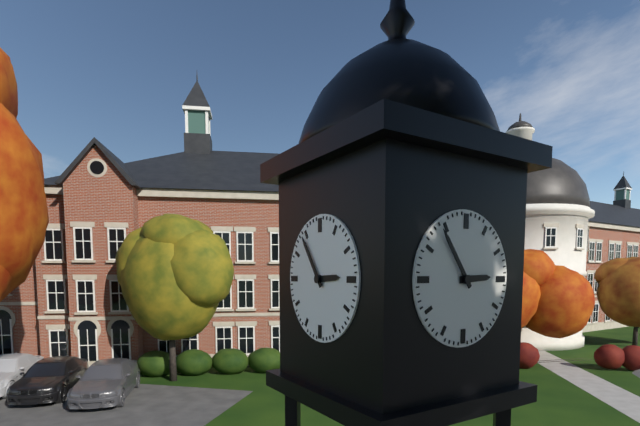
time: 2:54
